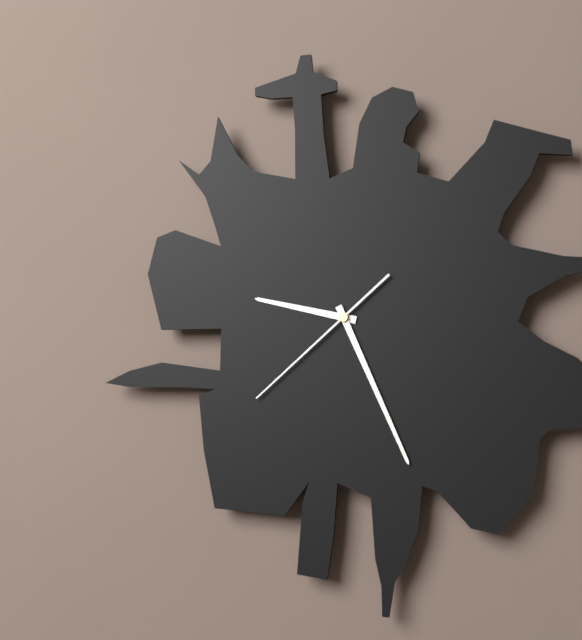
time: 9:26:38
